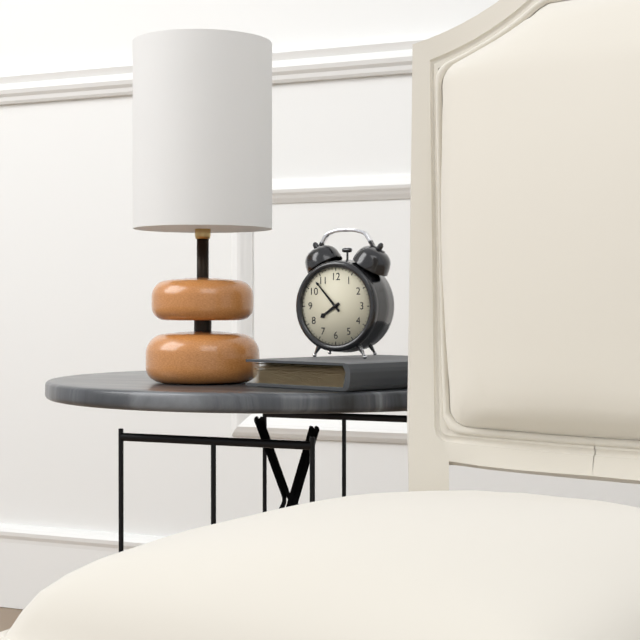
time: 7:53
